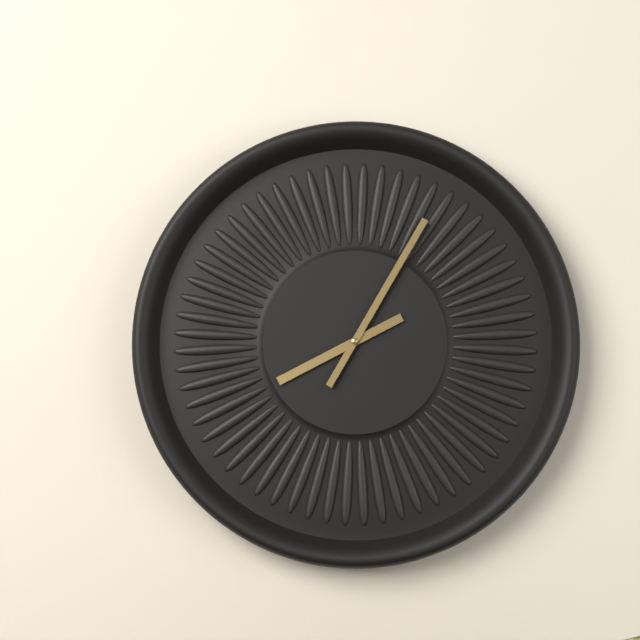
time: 8:05
